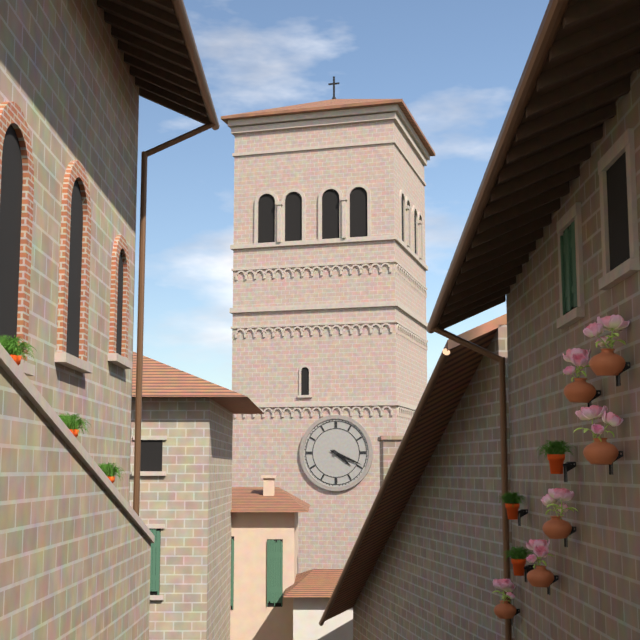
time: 4:19
